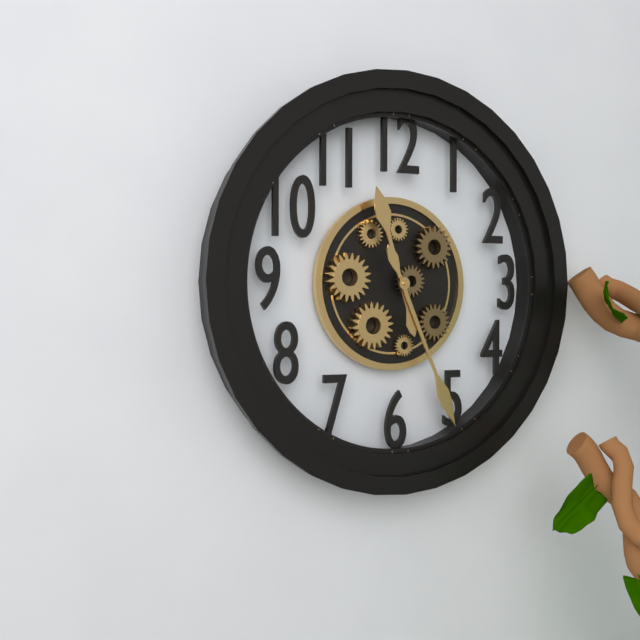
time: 11:26
